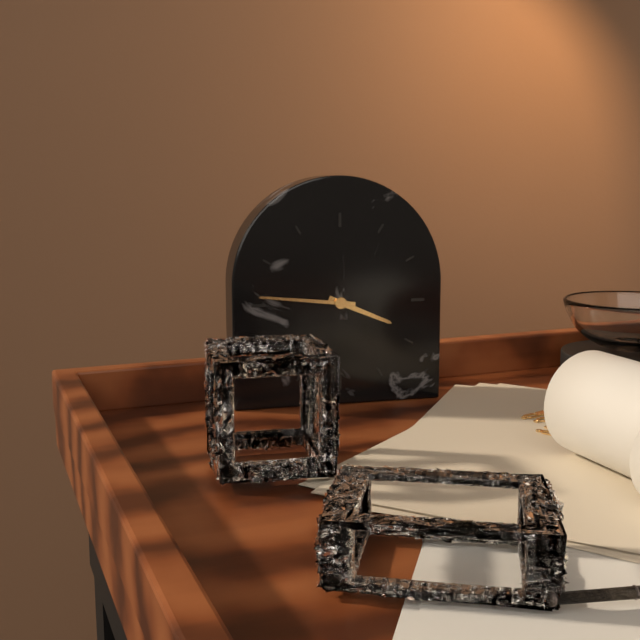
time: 3:46
